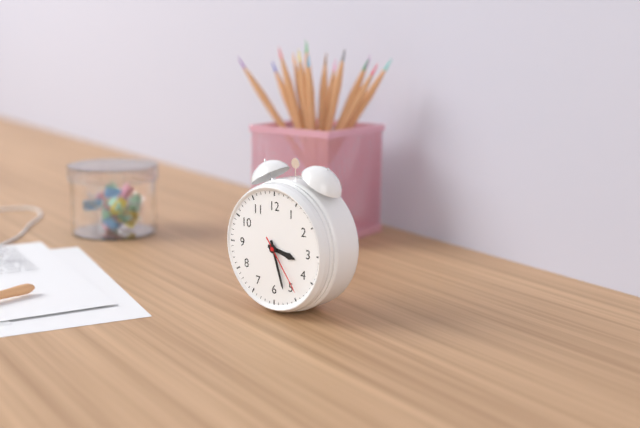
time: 3:27:24
